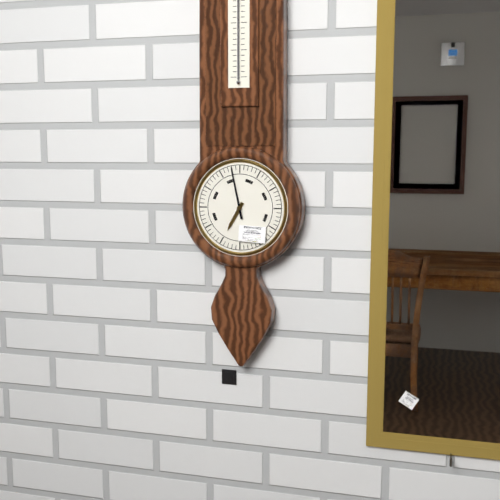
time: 6:58
